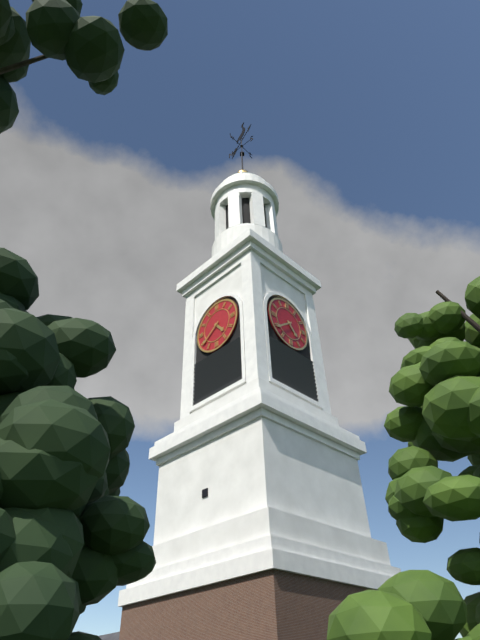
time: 4:39
